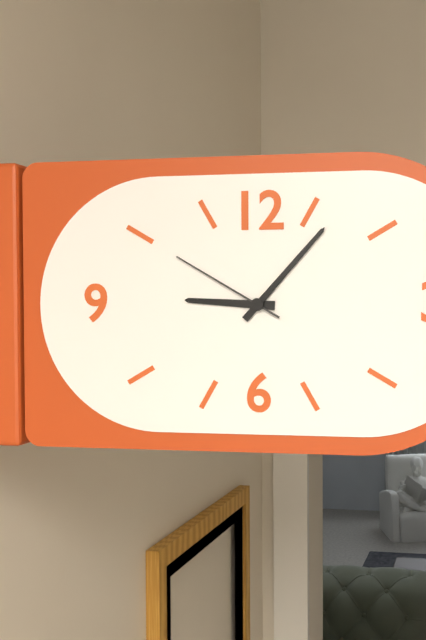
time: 9:07:50
